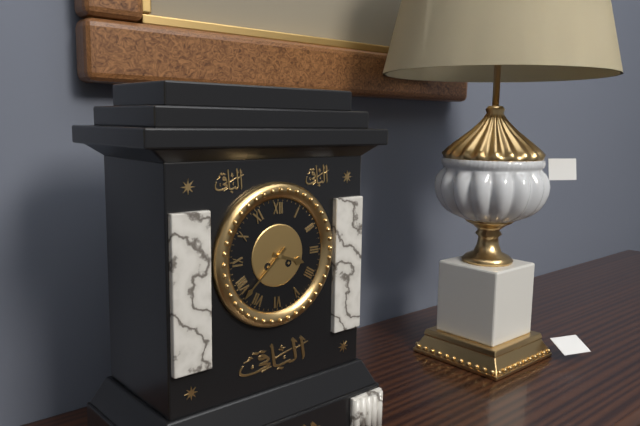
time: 3:38
